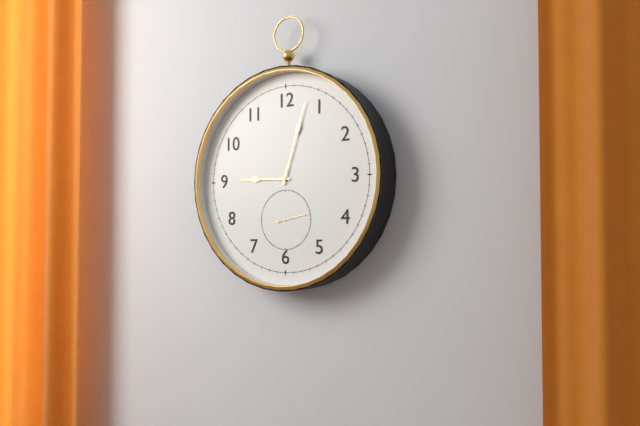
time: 9:03
